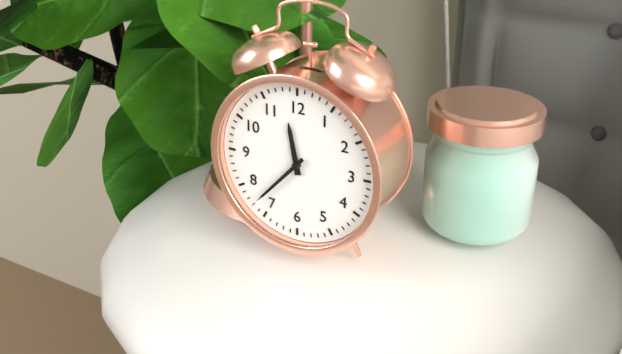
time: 11:37
